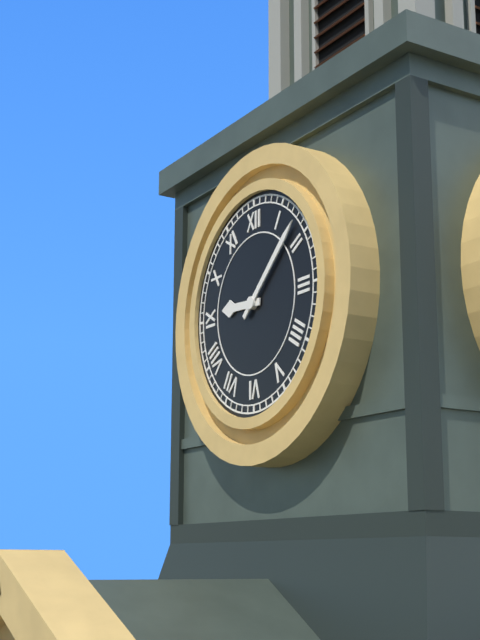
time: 9:08
